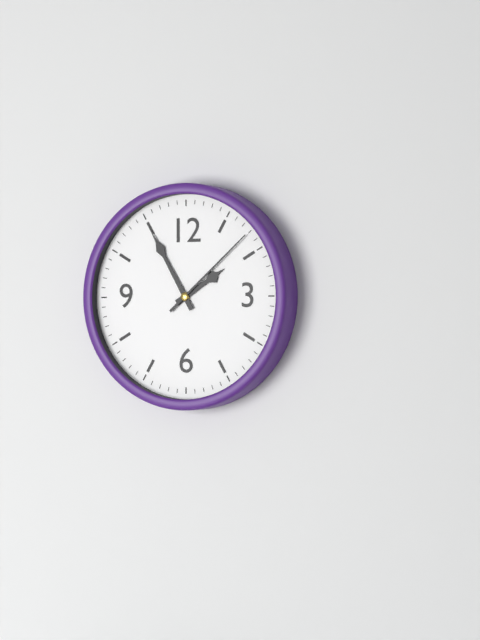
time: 1:55:08
